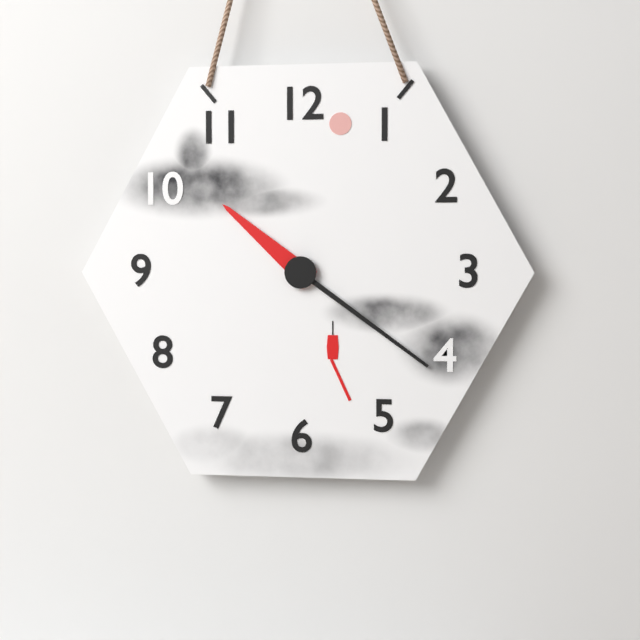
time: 10:21
